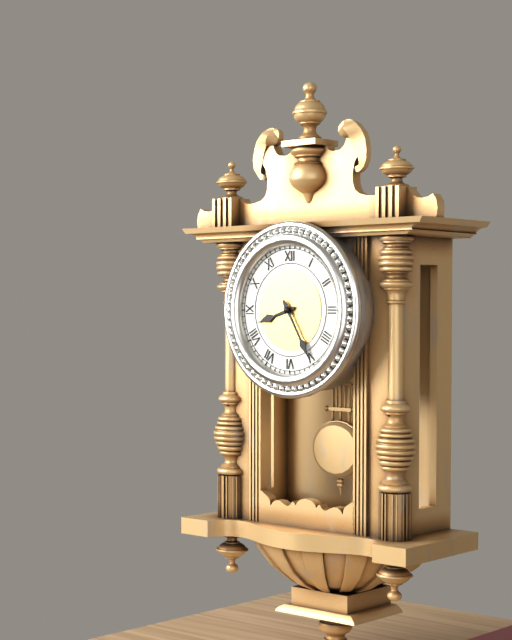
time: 8:25
